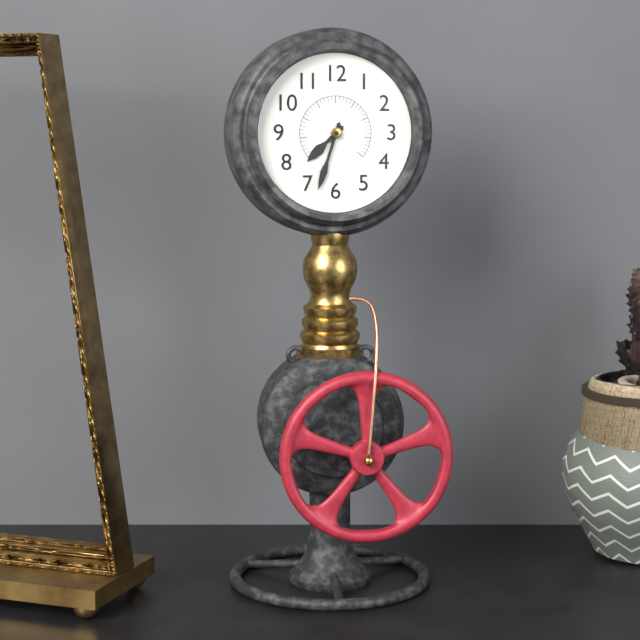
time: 7:33
